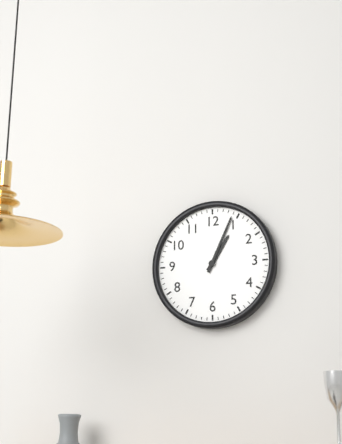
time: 1:04
